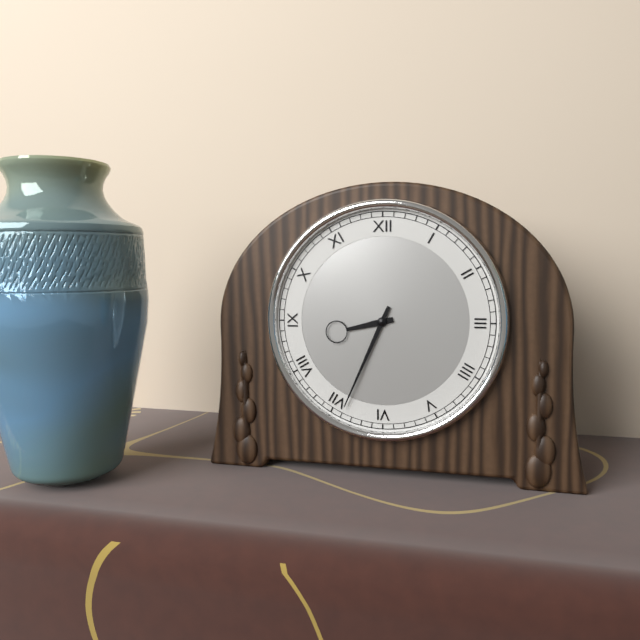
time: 8:34
